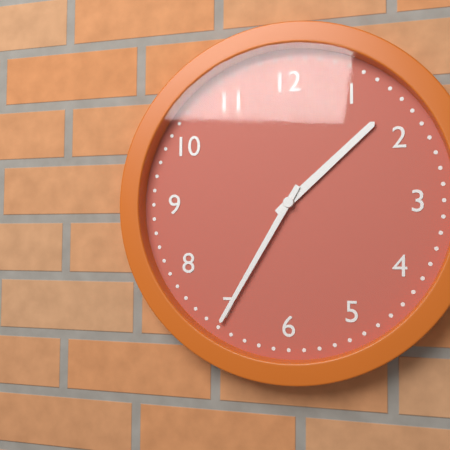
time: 1:35
